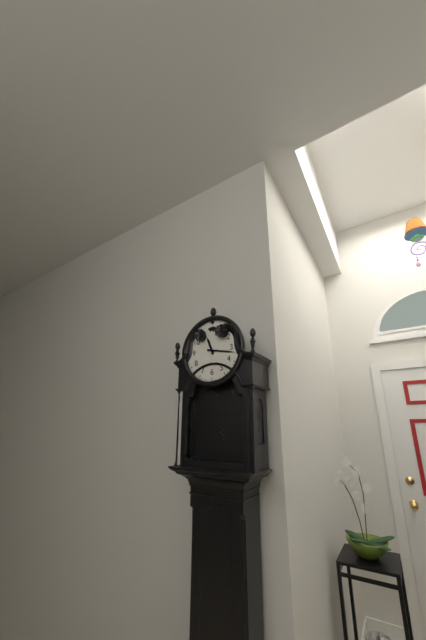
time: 11:17
